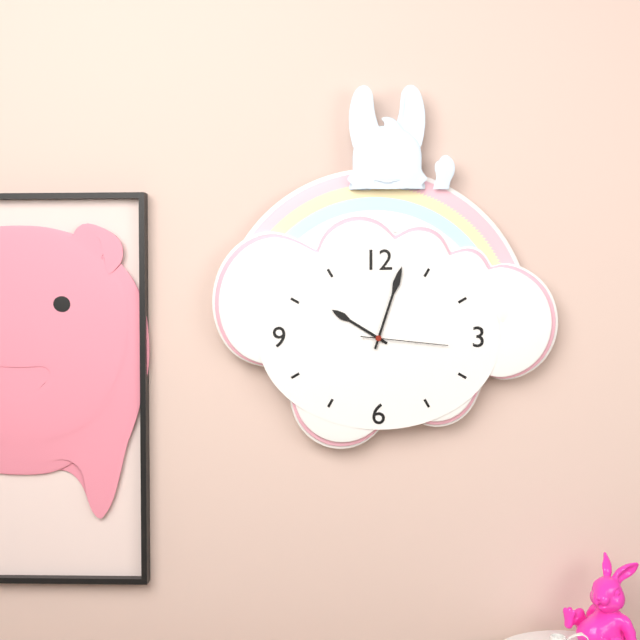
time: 10:03:16
